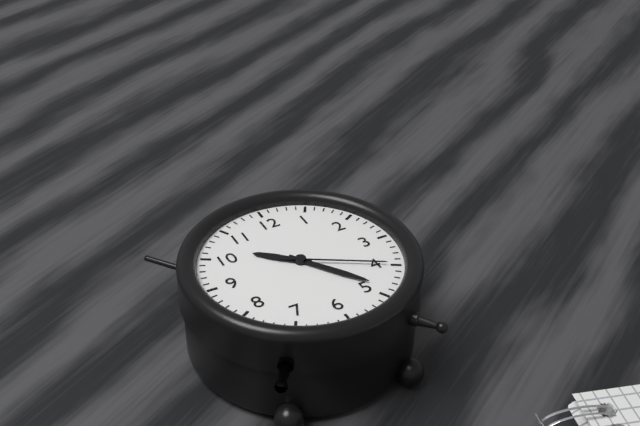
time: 10:24:20
